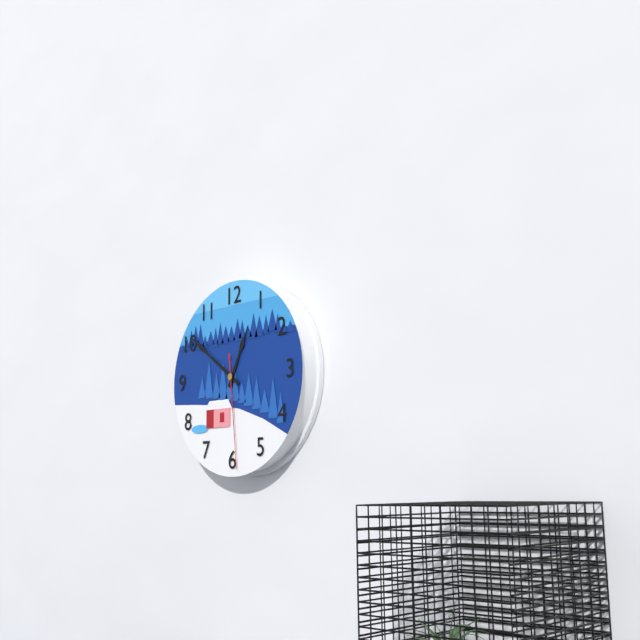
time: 12:51:29
